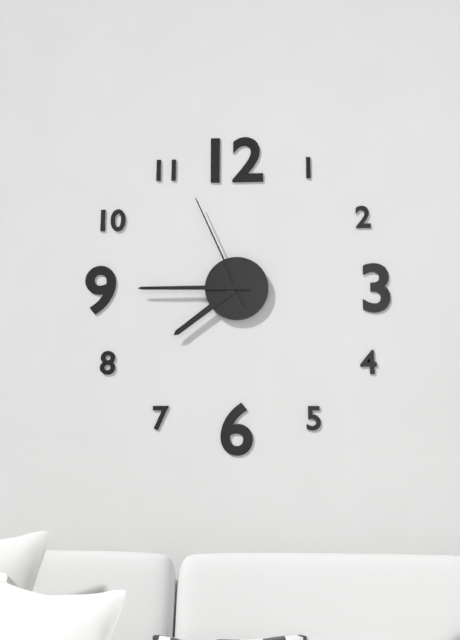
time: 7:45:56
